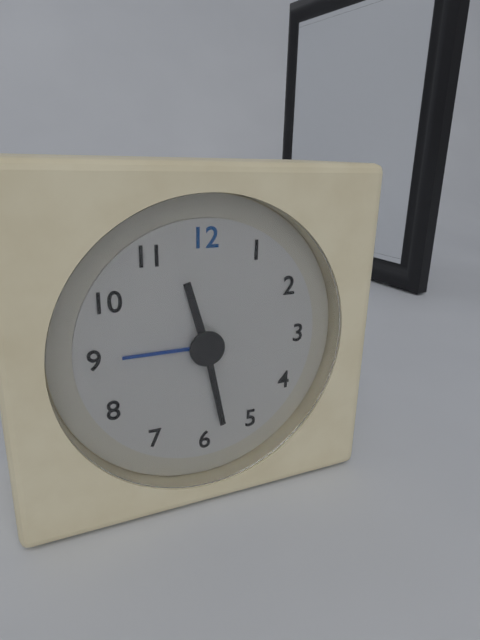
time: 11:28
